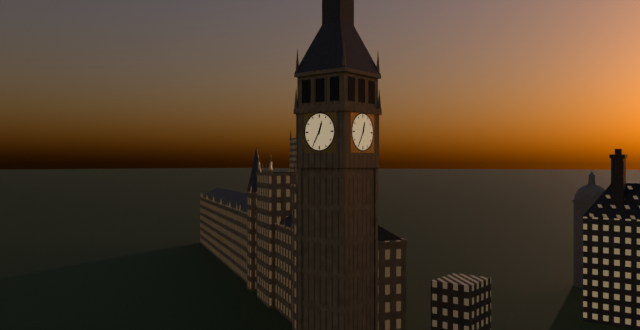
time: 12:35
